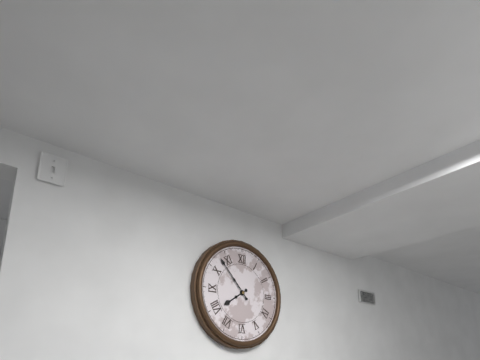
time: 7:53
